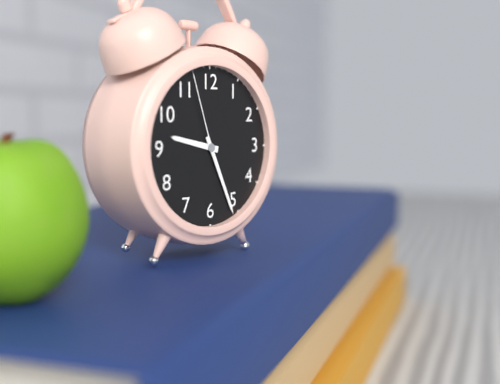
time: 9:26:57
